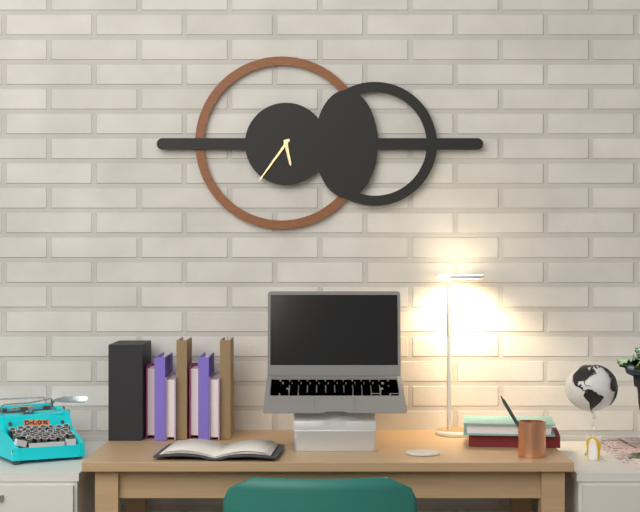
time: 5:36
